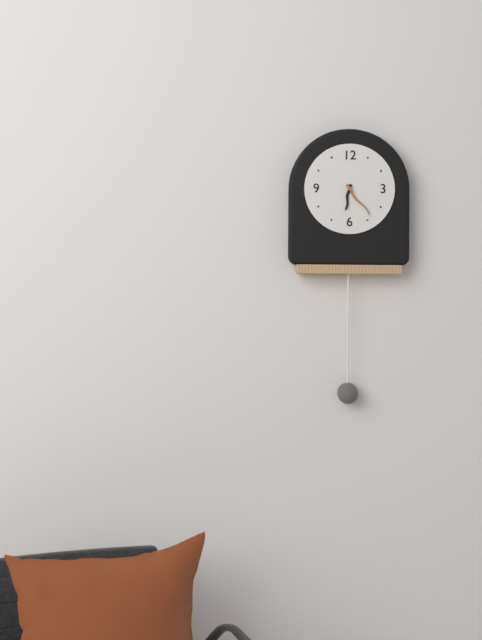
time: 6:24
